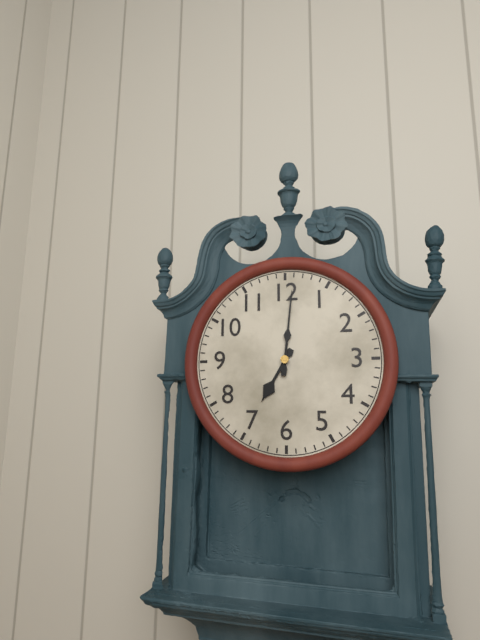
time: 7:01
